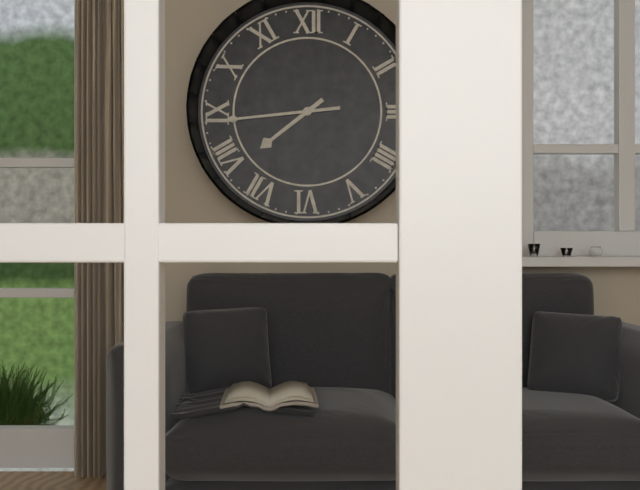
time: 7:44
